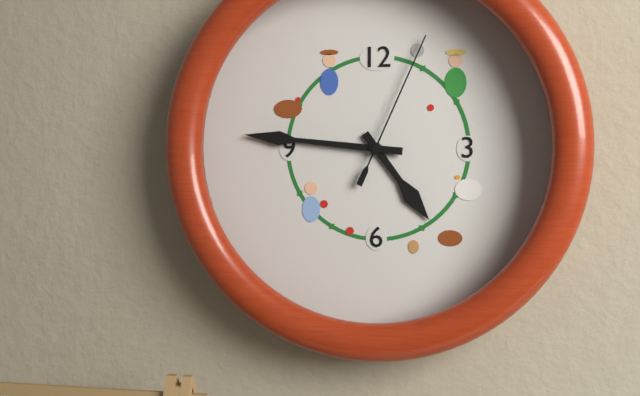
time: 4:46:04
